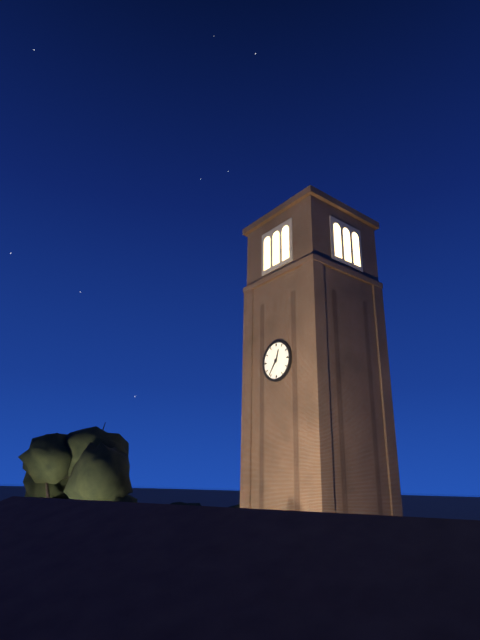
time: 12:36
